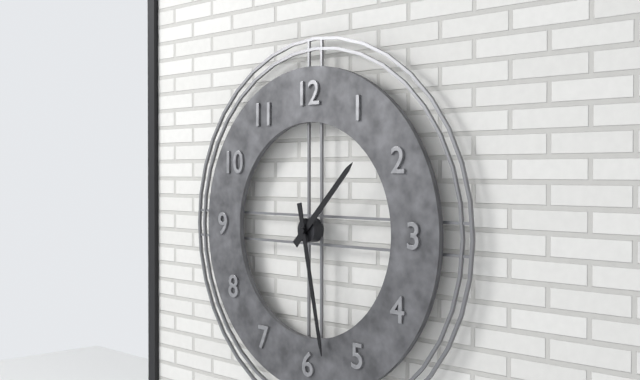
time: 1:28
